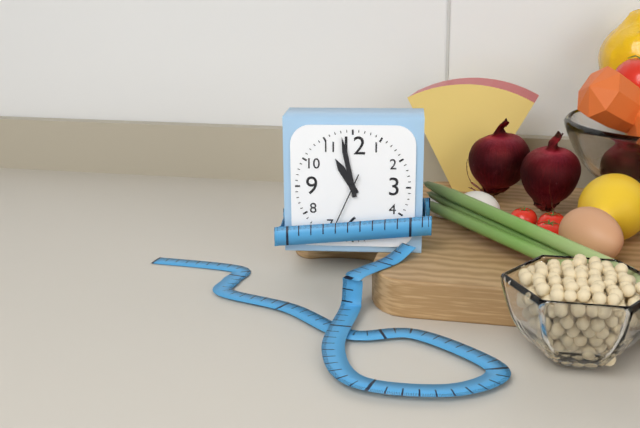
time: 10:58:34
